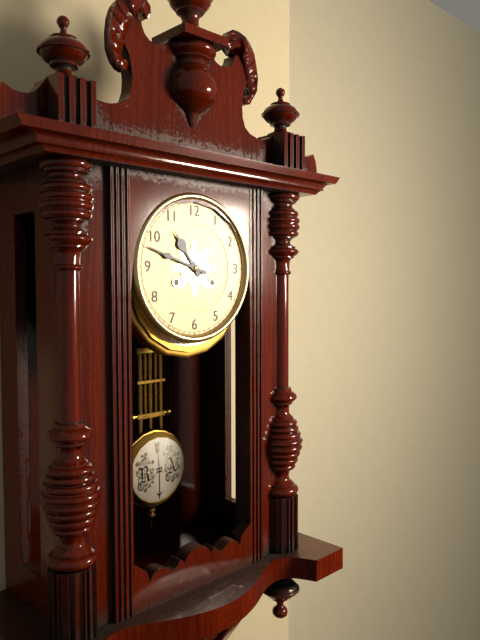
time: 10:48
